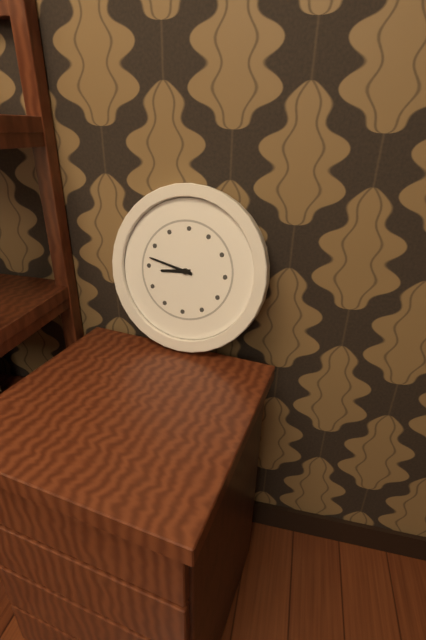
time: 8:47
